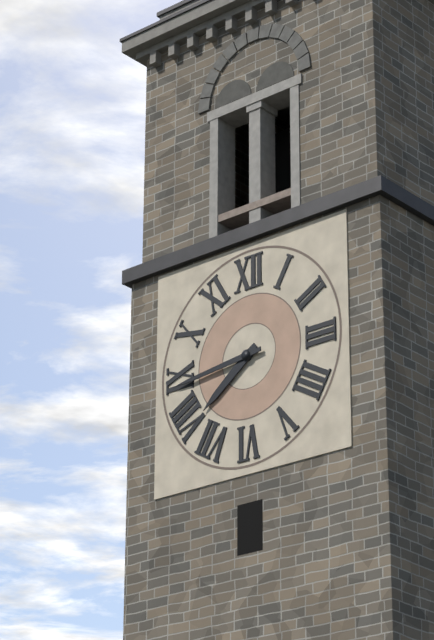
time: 7:44
